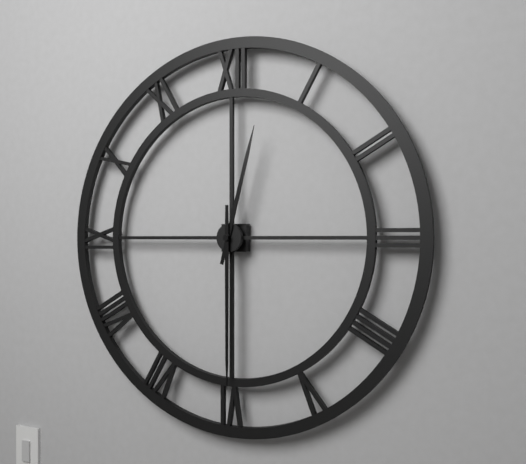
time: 12:30
